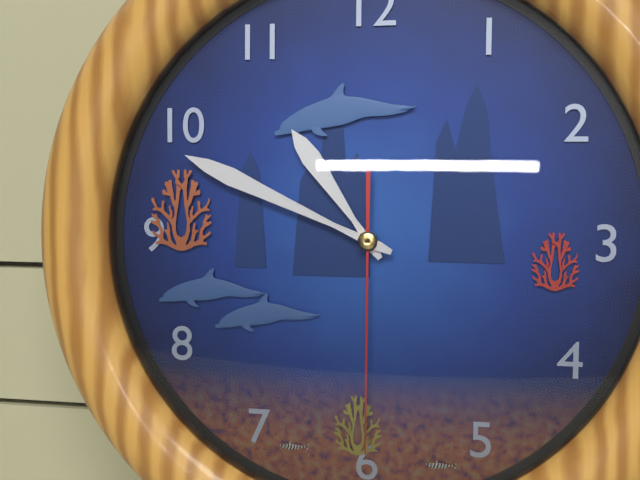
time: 10:49:30
